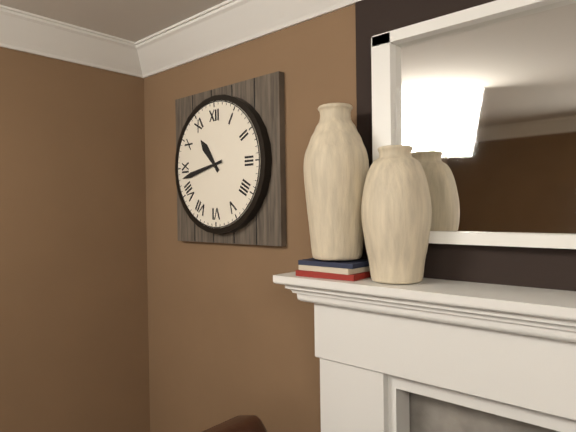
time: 10:43
